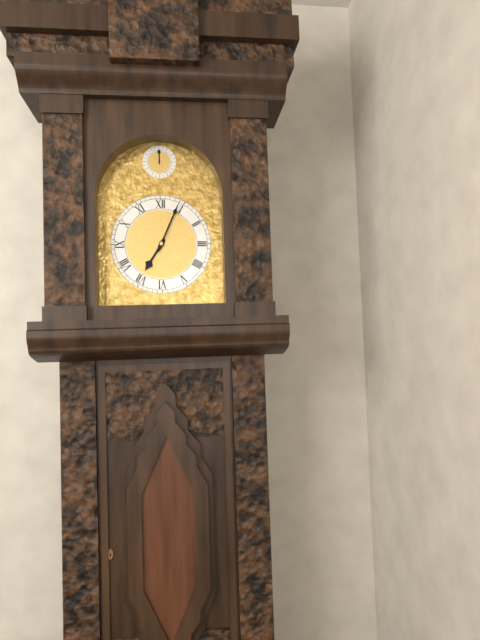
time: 7:04
